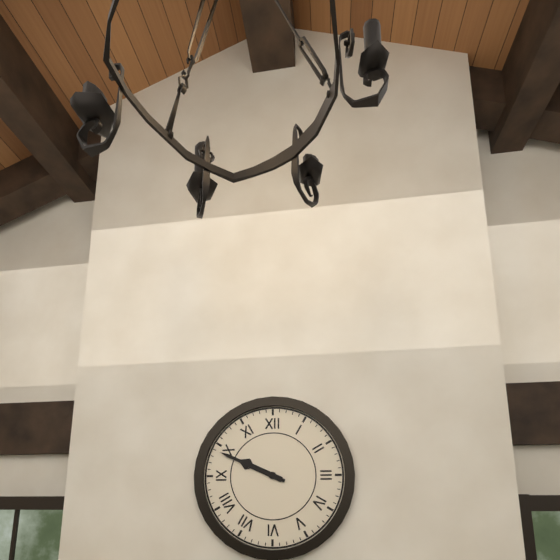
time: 9:49
